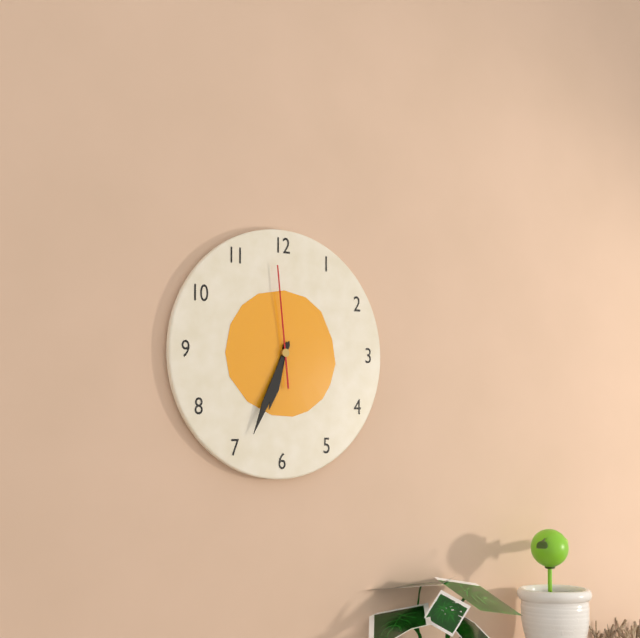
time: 6:34:59
